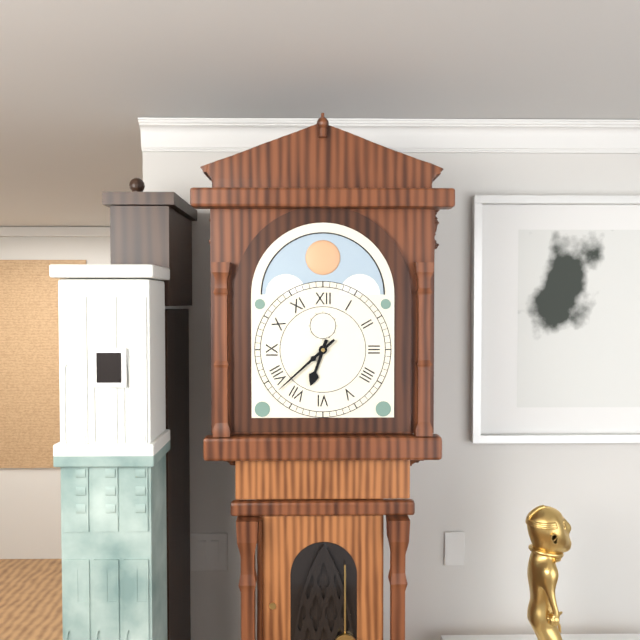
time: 6:38
